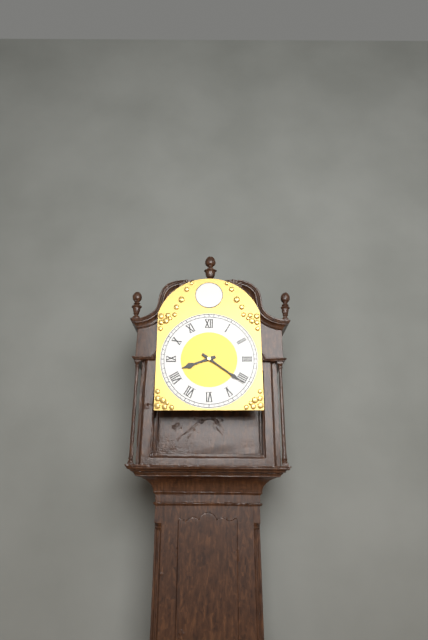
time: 8:21
